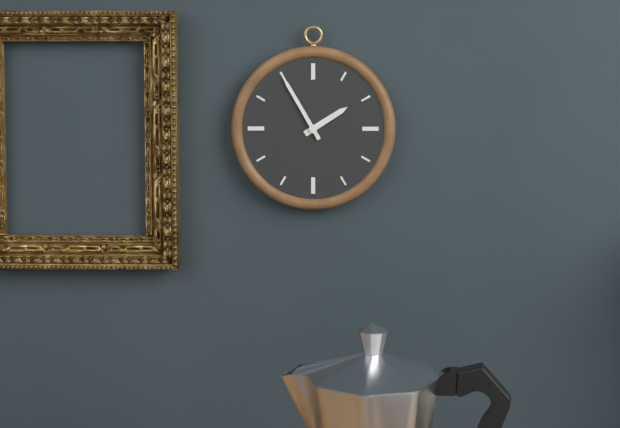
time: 1:55
